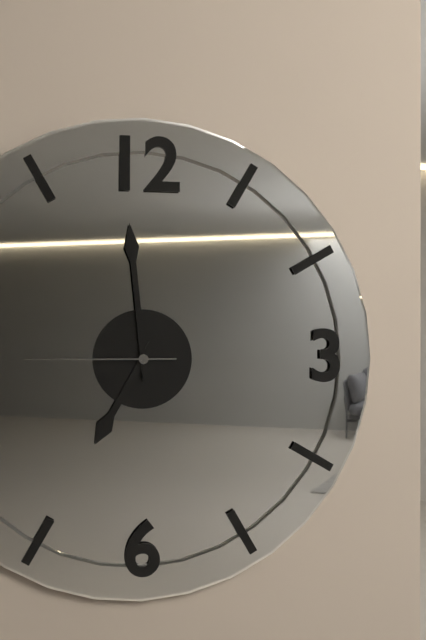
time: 6:59:45
